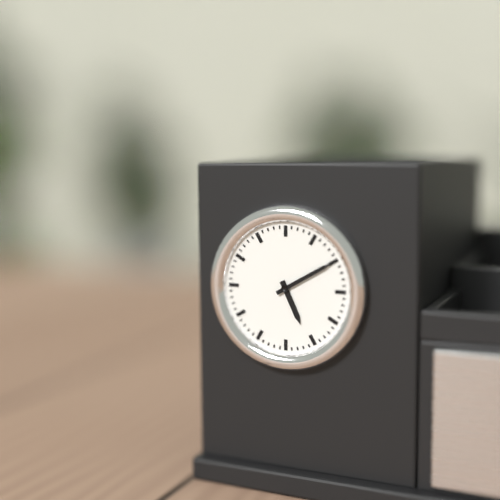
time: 5:10
